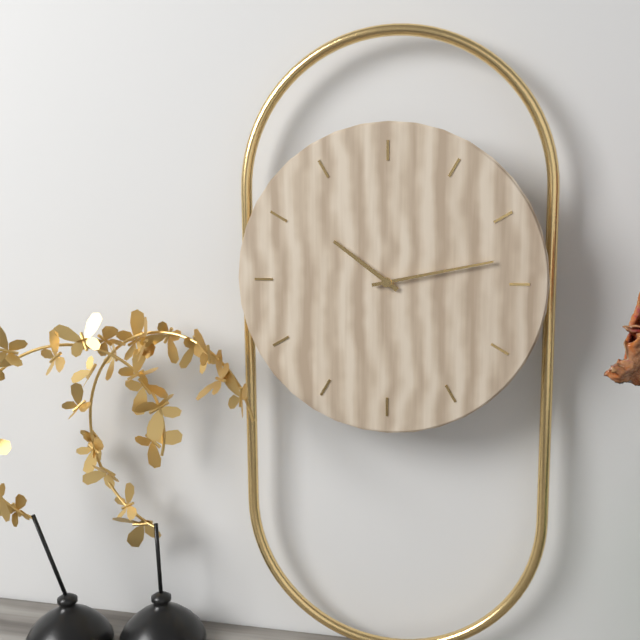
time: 10:13
